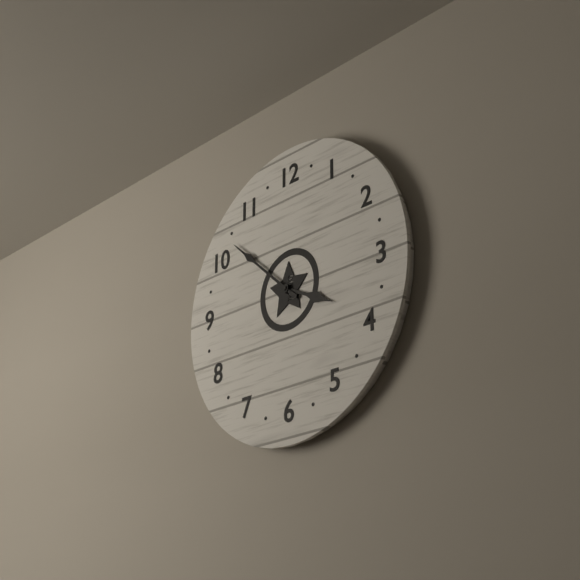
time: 3:52
